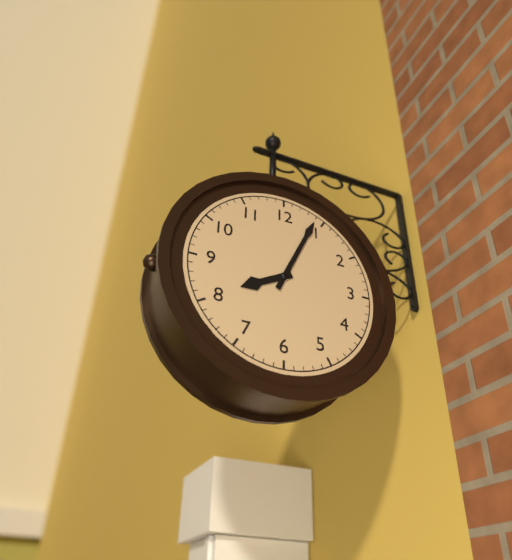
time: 8:04
